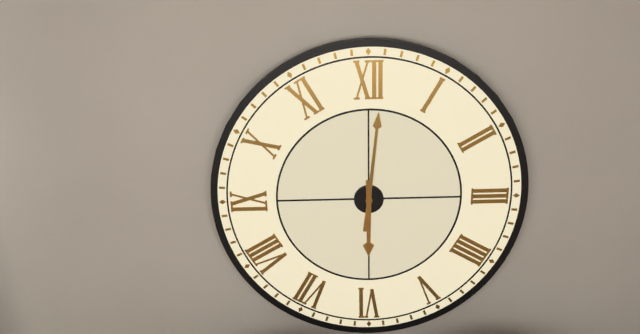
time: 6:01
